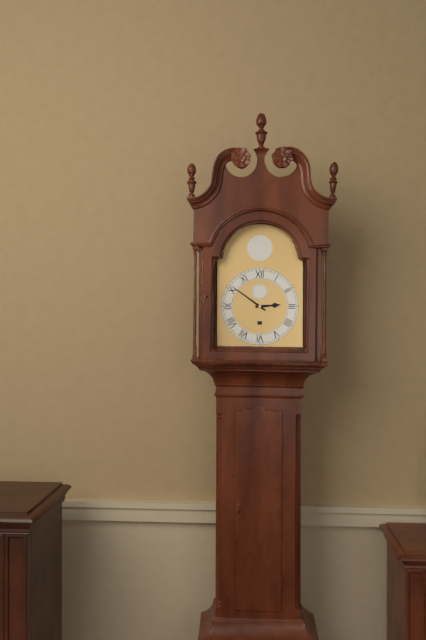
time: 2:51
